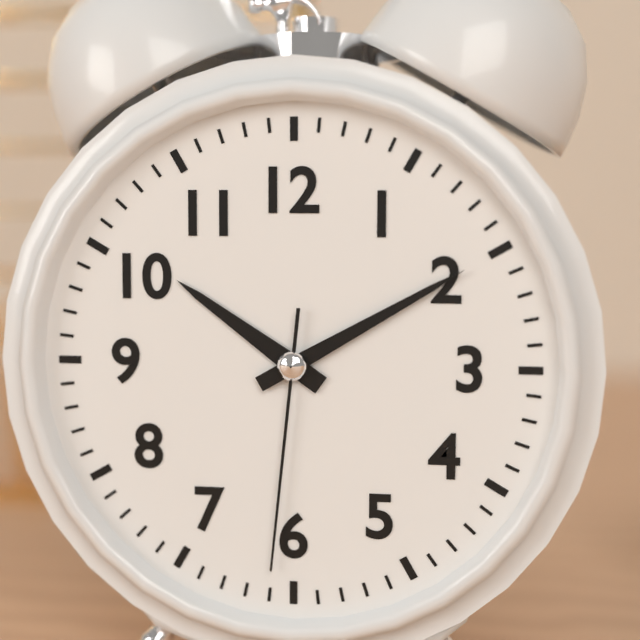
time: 10:10:31
